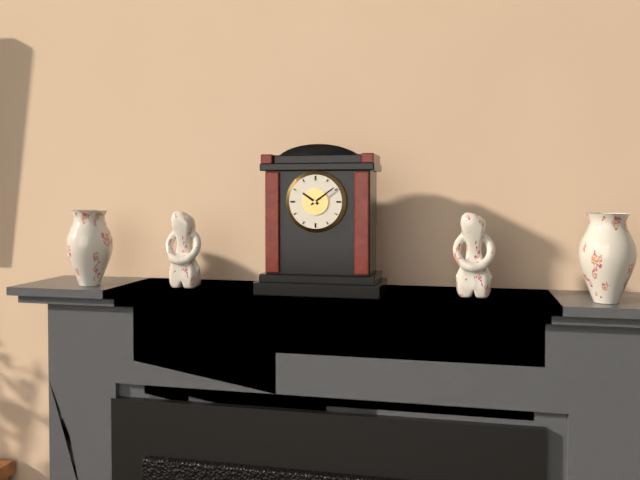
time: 10:09
